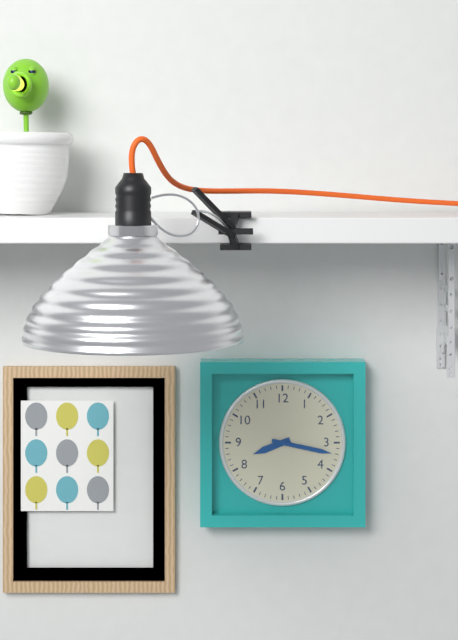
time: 8:17
